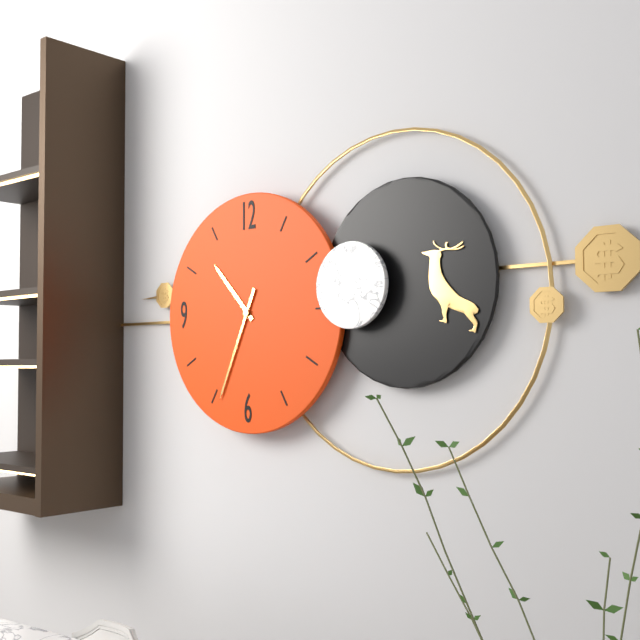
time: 10:34
